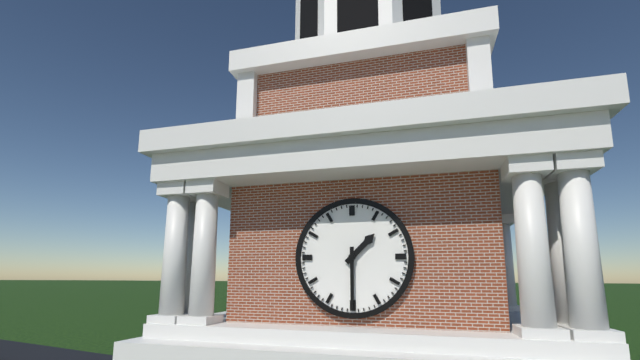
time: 1:30
